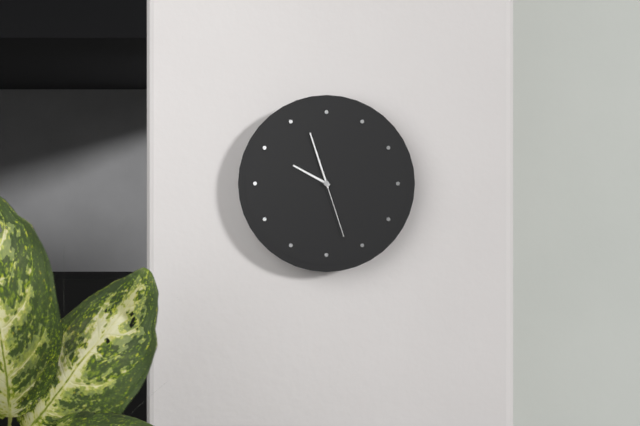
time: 9:57:27
